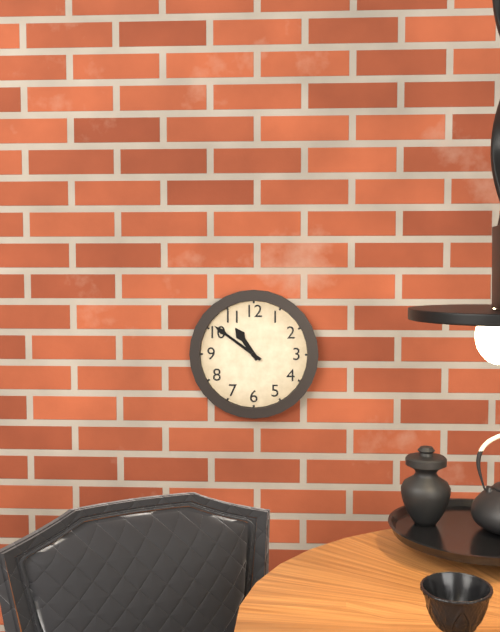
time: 10:51
